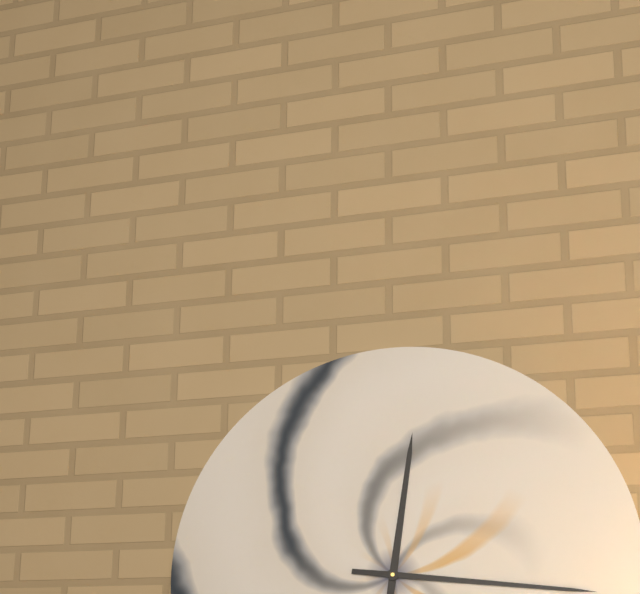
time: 12:16
